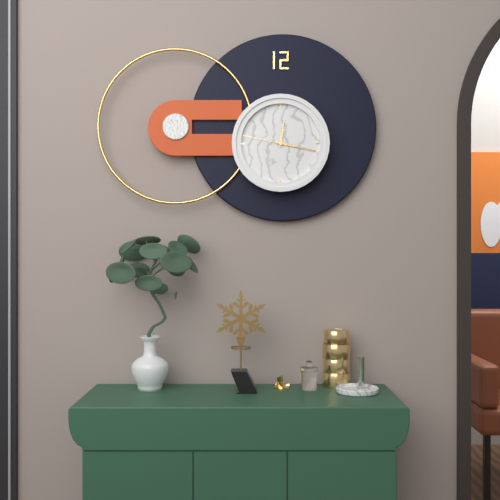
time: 12:17:47
